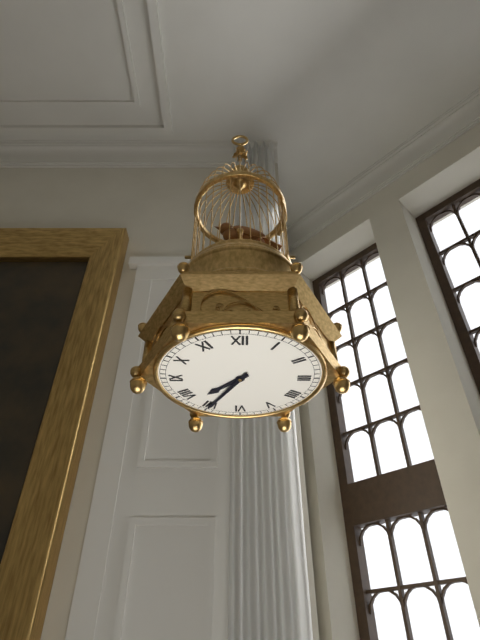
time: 7:35
